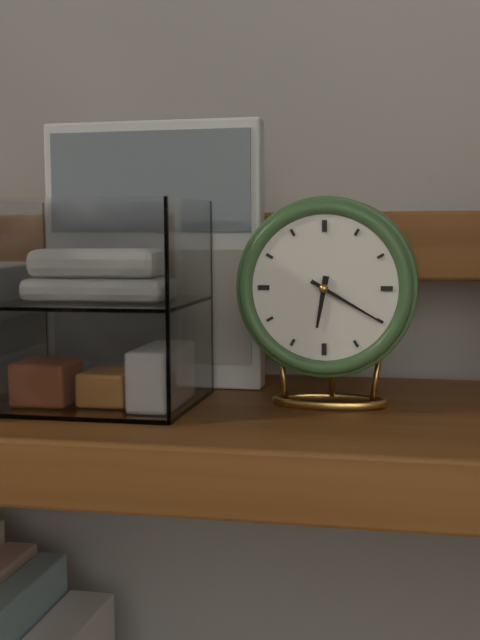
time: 6:20
